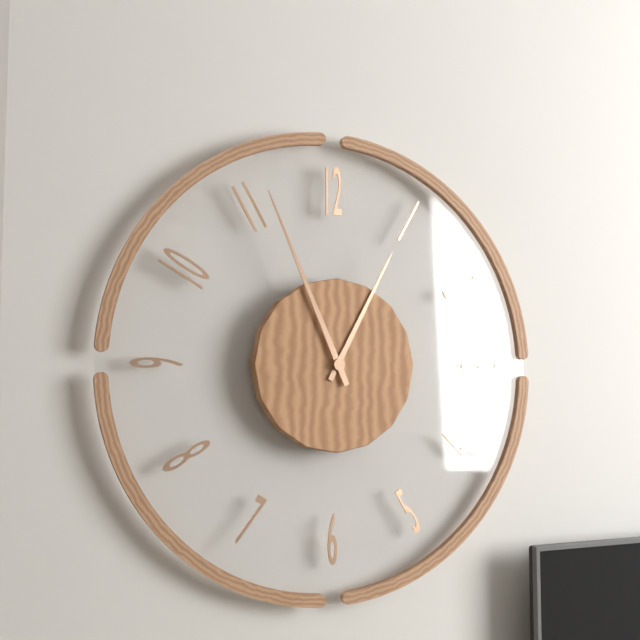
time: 12:56
